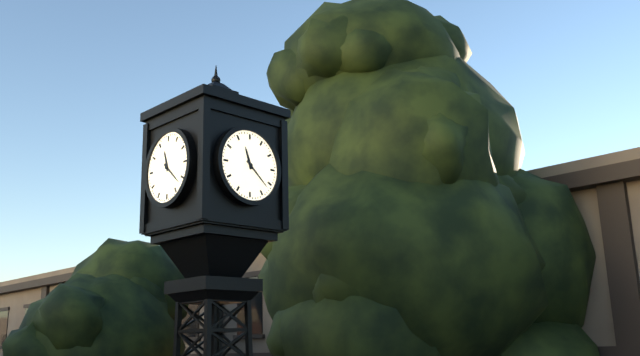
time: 11:22
